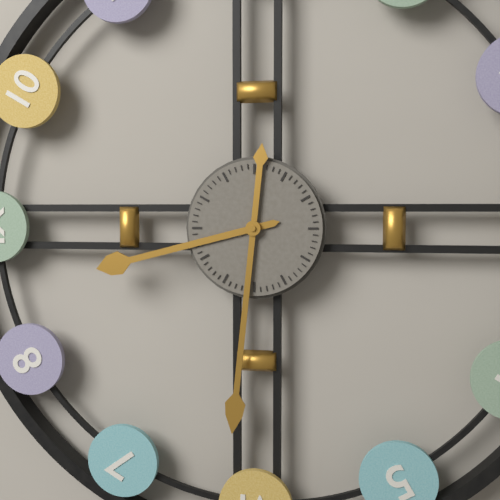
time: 8:31
